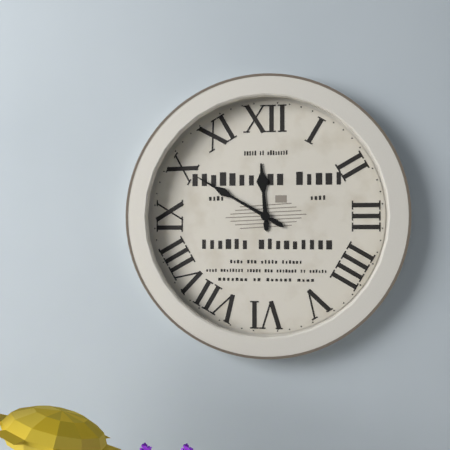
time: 11:50
